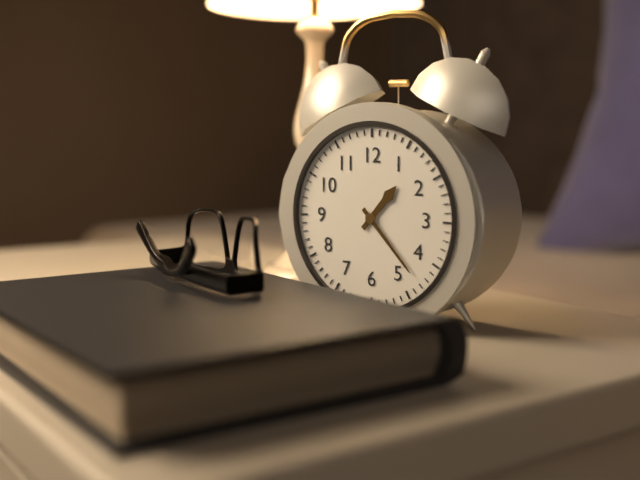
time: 1:23
